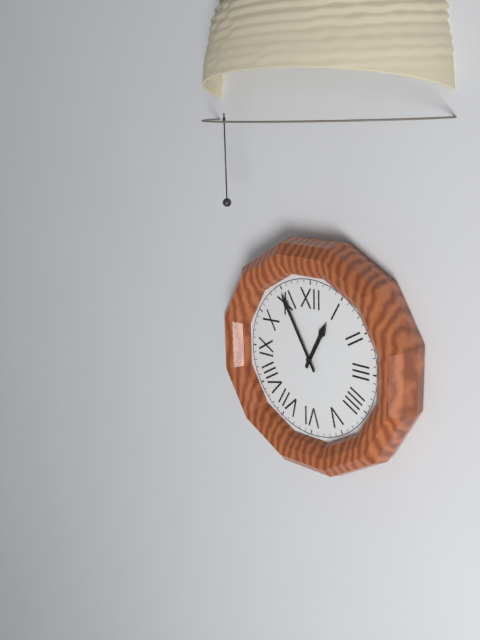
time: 12:55
